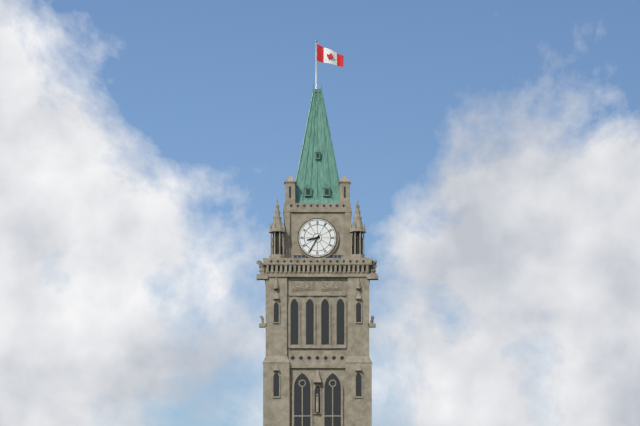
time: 8:35
